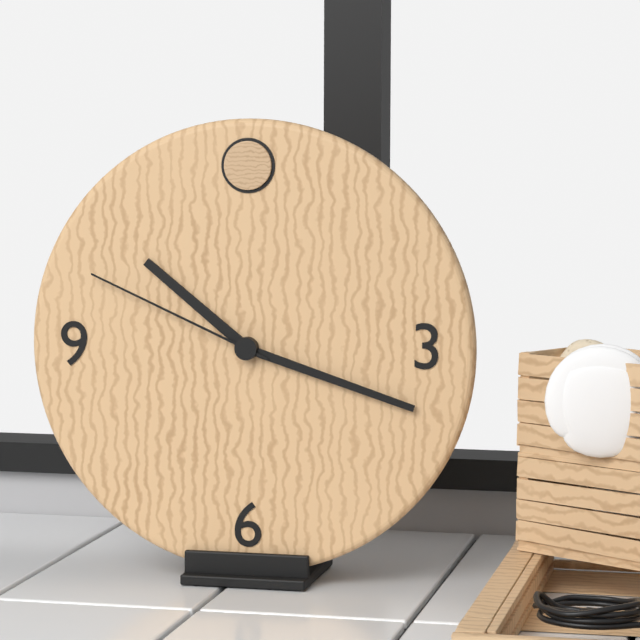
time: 10:18:49
